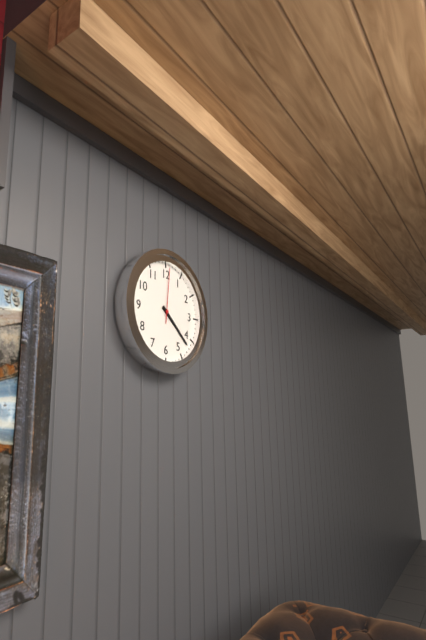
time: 4:22:01
